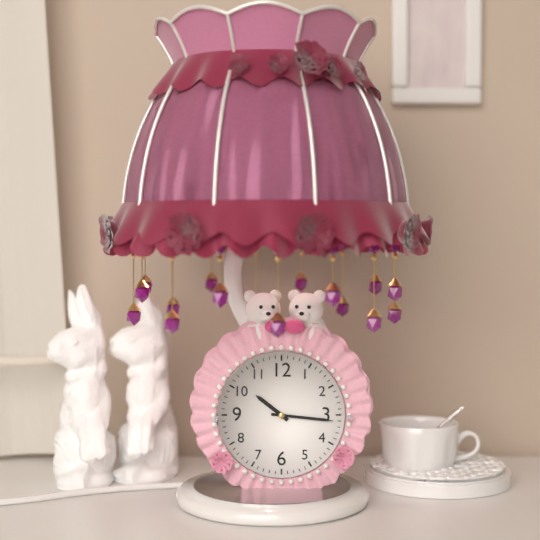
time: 10:16
